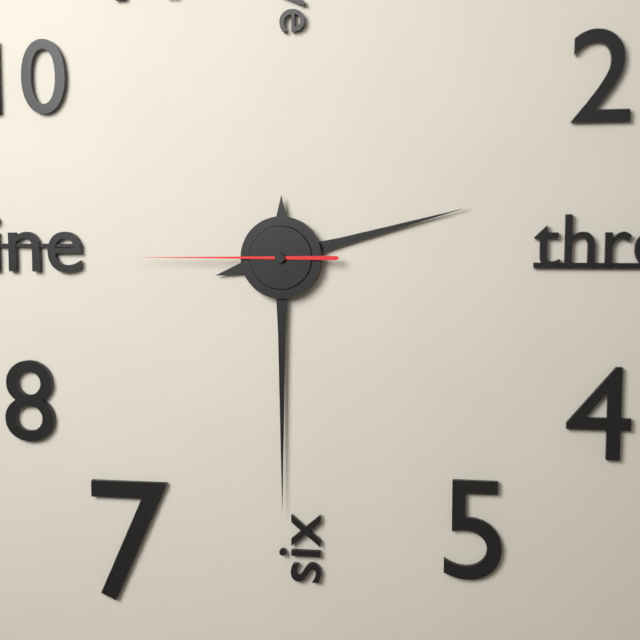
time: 2:30:45
